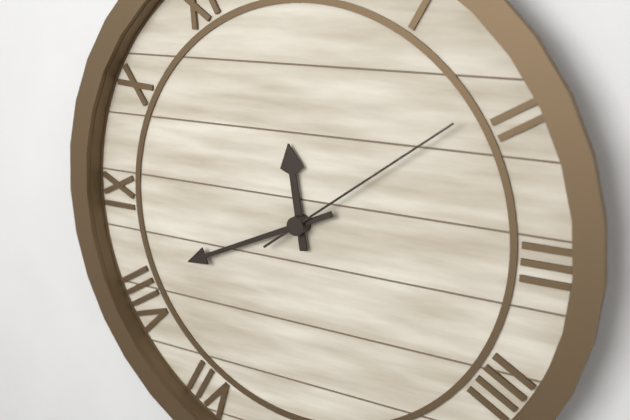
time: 11:41:09
